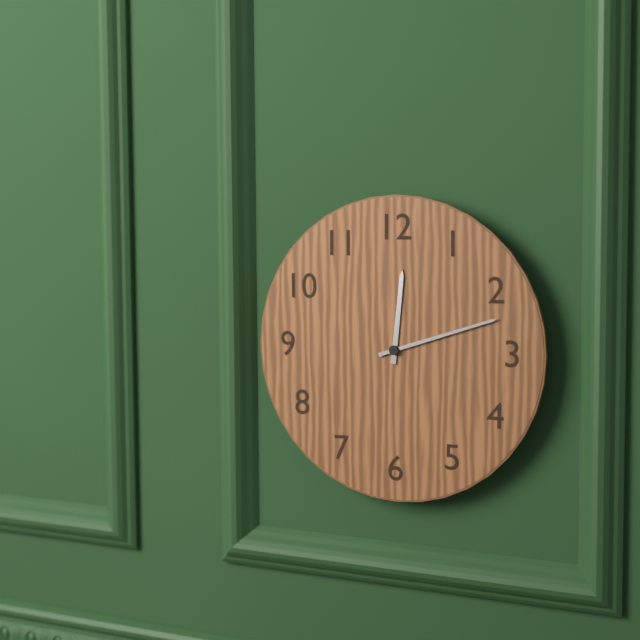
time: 12:12
